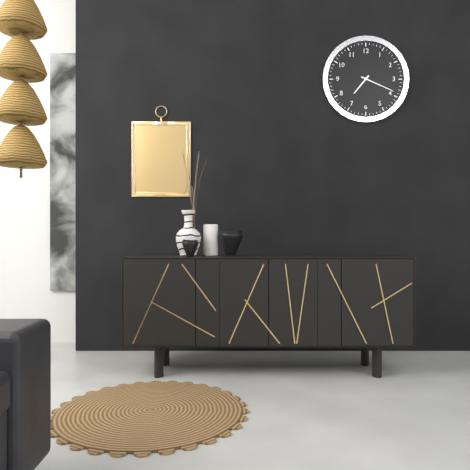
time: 7:19
